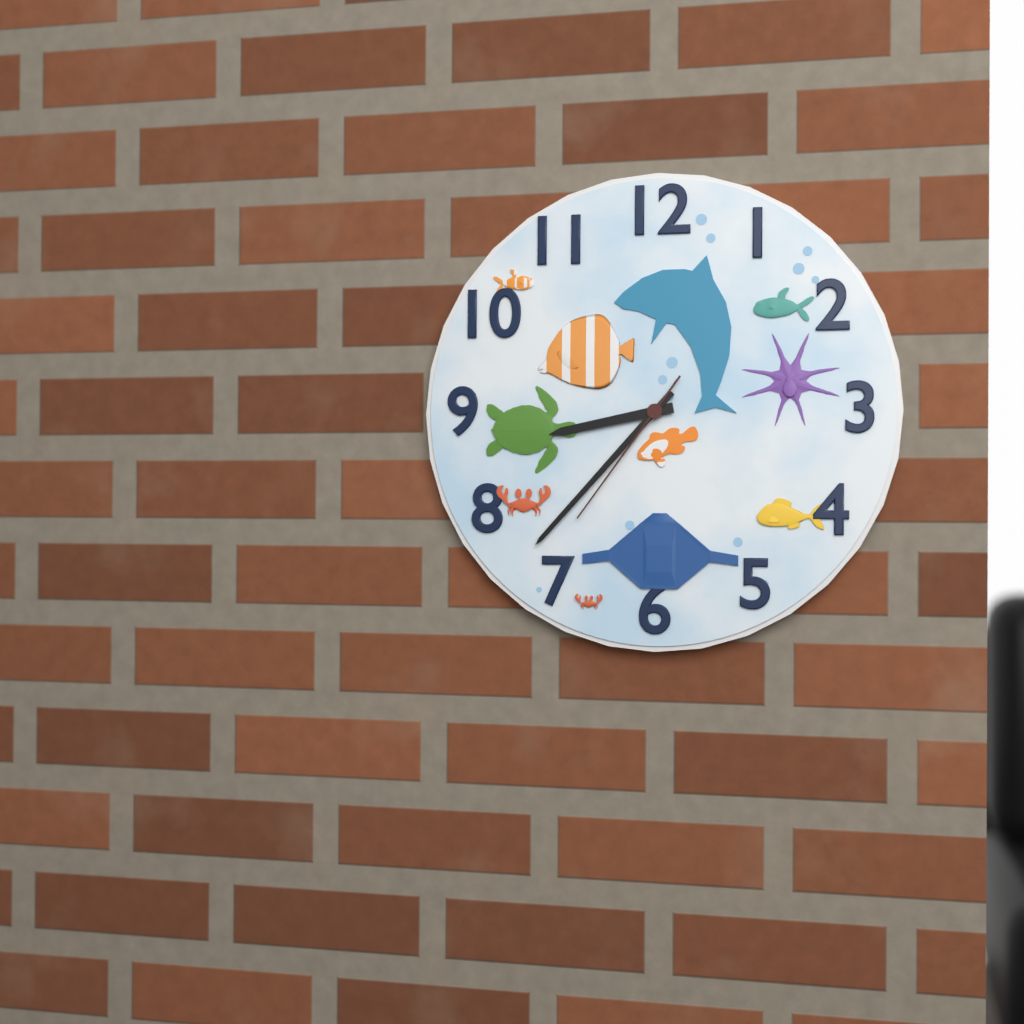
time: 8:37:36
